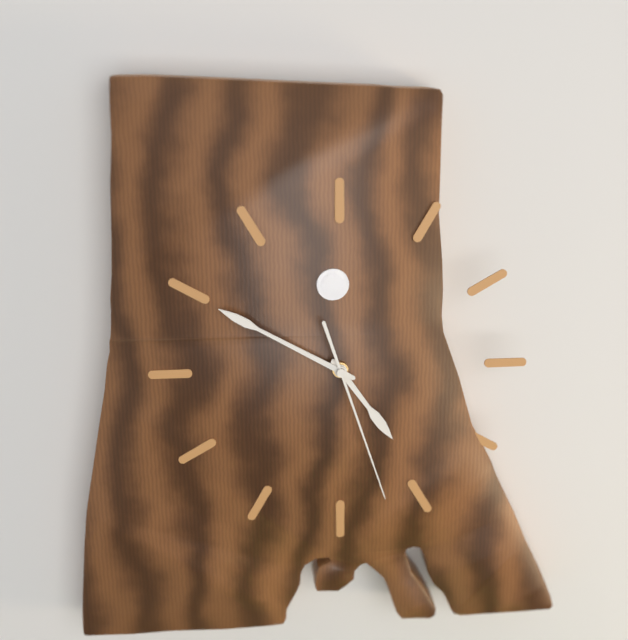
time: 4:50:27
